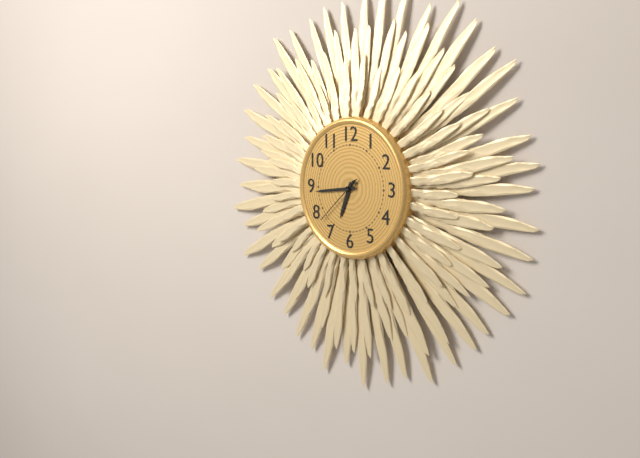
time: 6:44:38
